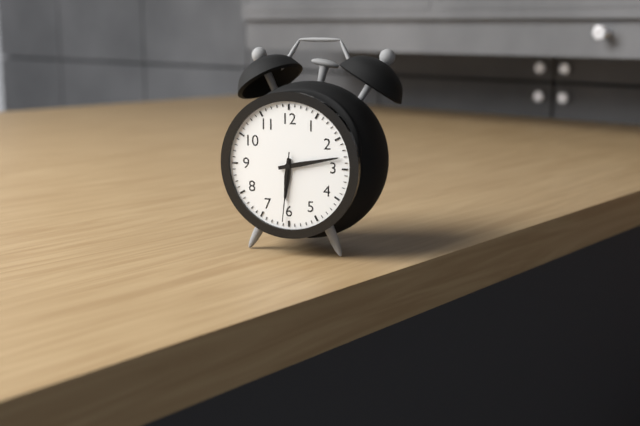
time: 6:13:31
